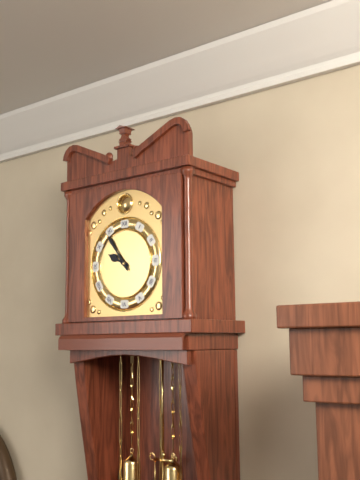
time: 9:54
